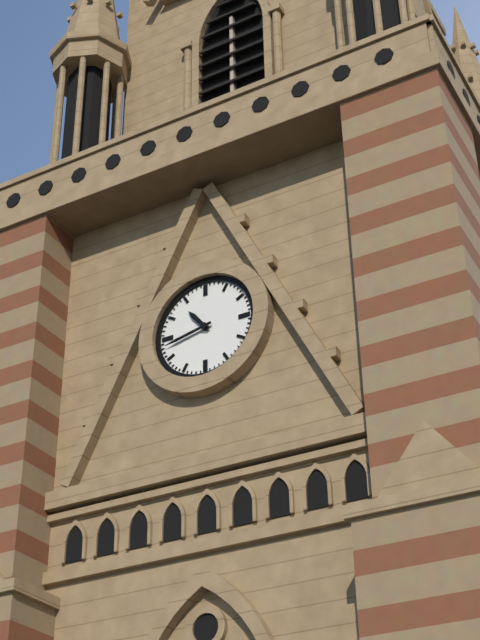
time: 10:43
